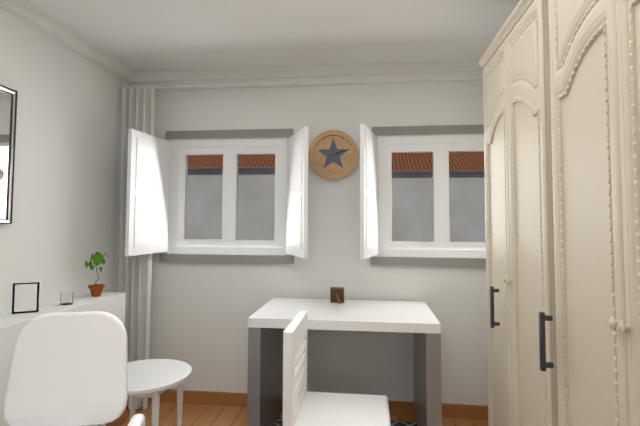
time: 2:12
